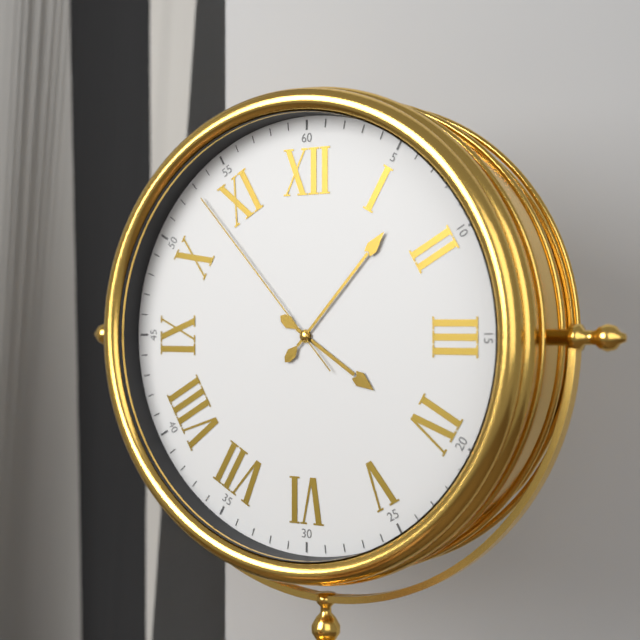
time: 4:07:53
